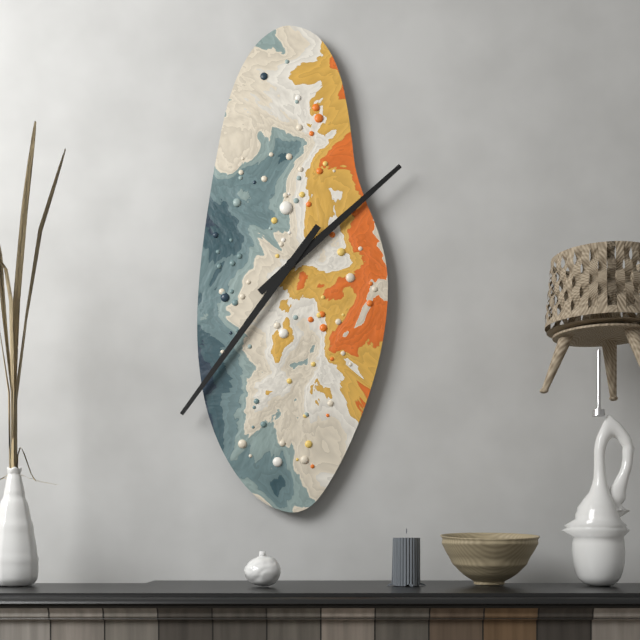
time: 1:36
